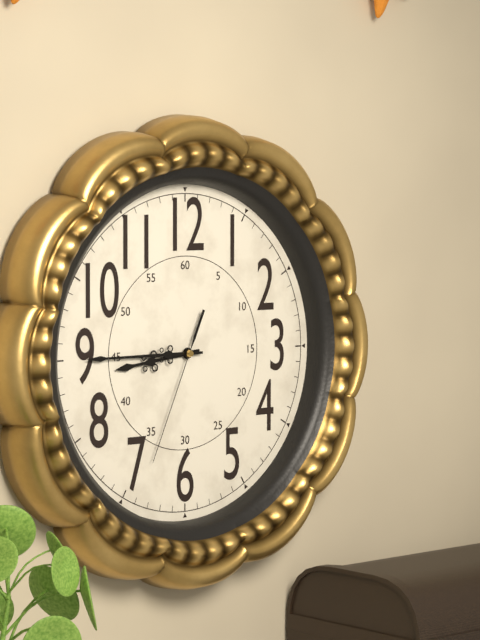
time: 8:45:34
